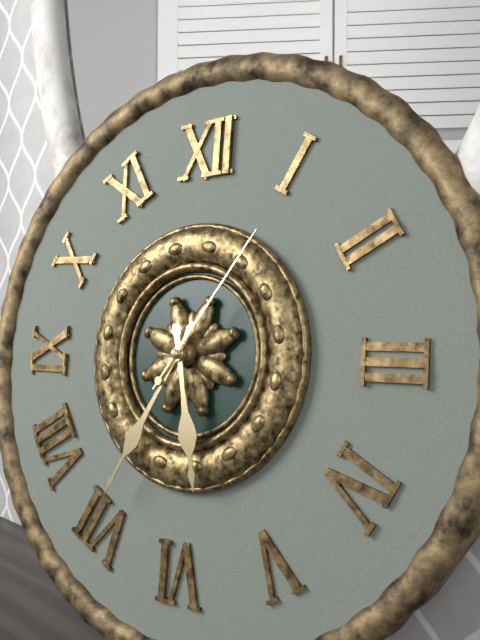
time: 5:35:06
